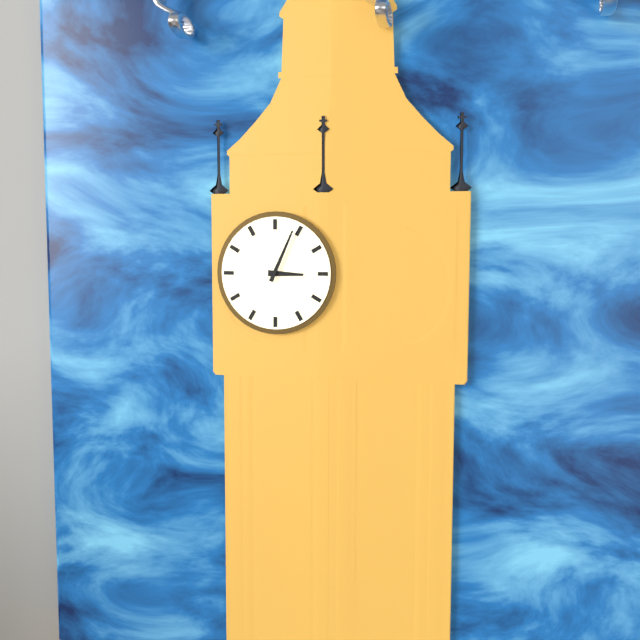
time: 3:04
